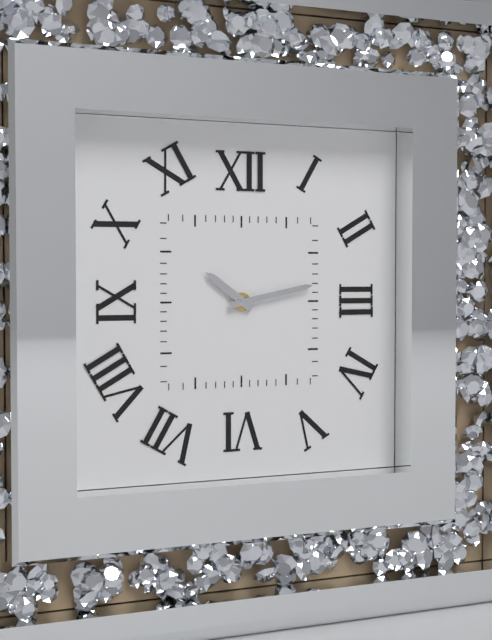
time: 10:13
